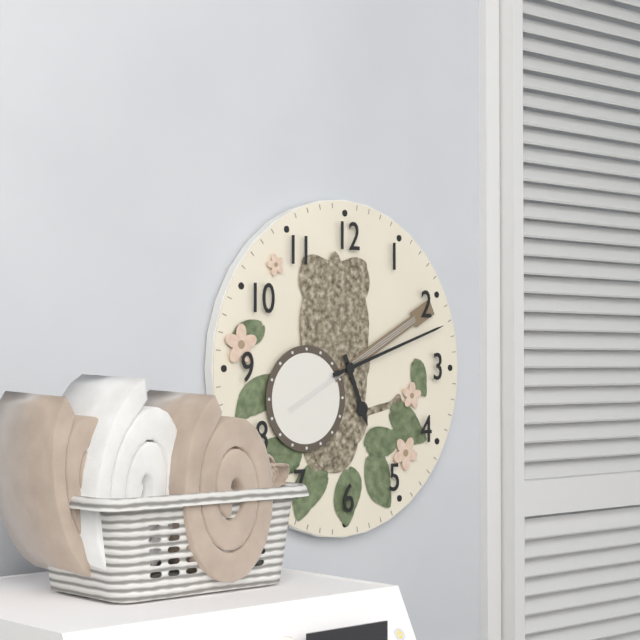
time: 5:12
